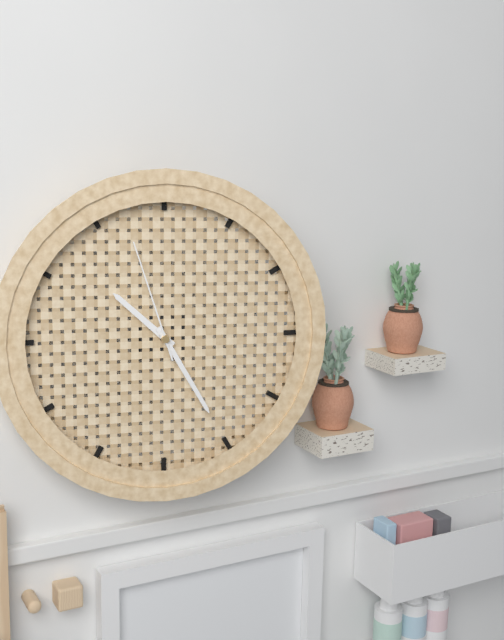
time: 10:25:57
